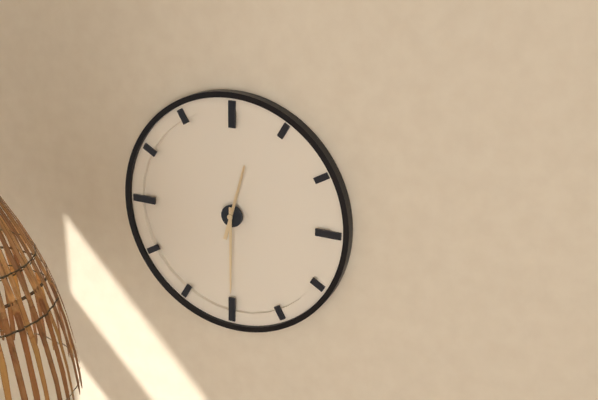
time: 12:30
